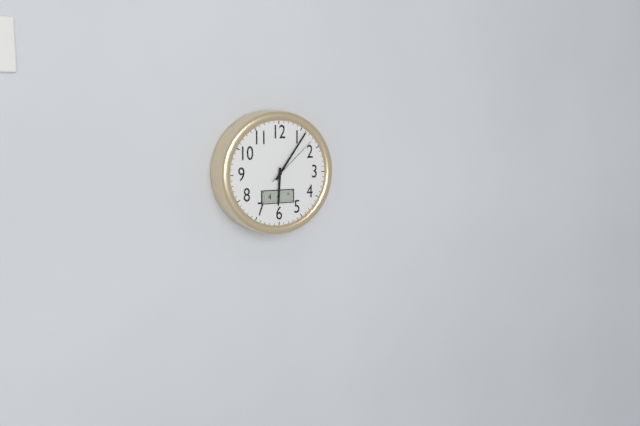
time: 6:06:08
